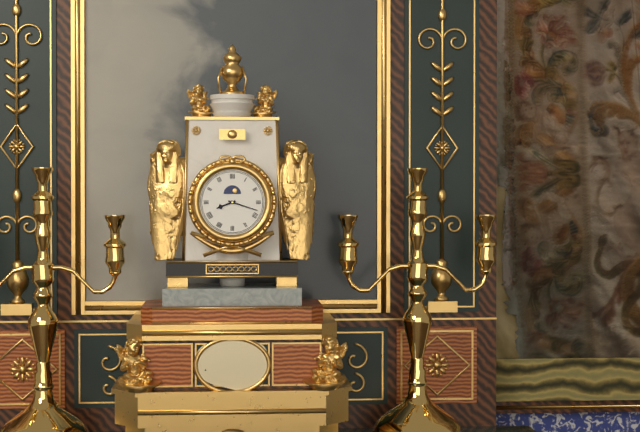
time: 8:18
